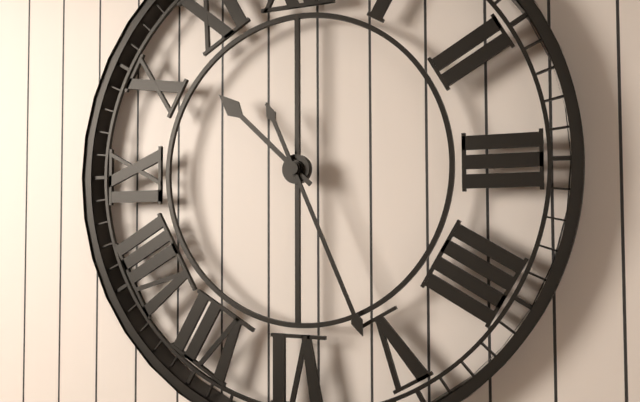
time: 10:26
